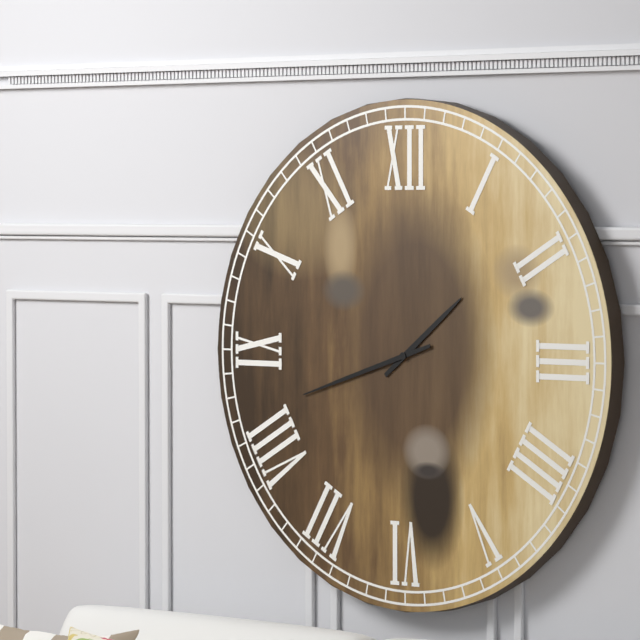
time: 1:42
